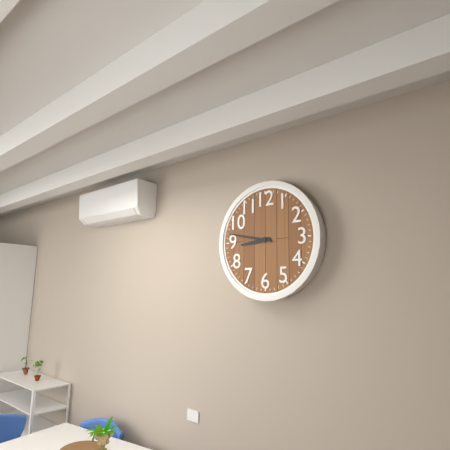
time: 8:47
